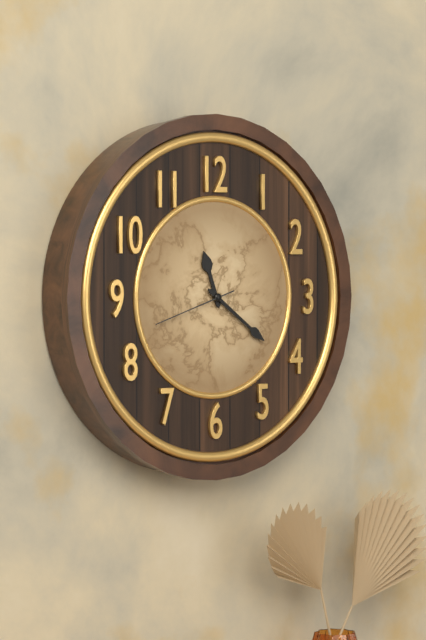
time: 11:21:42
